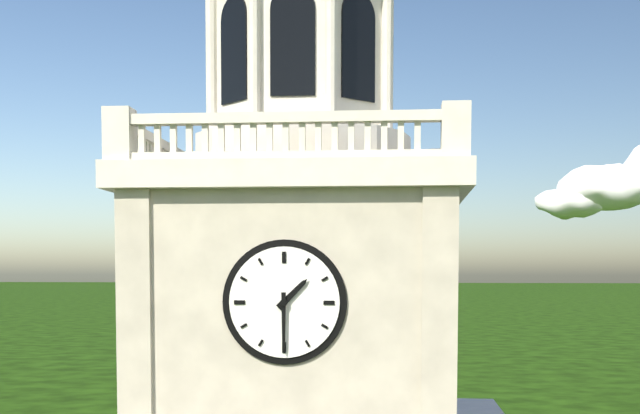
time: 1:30
